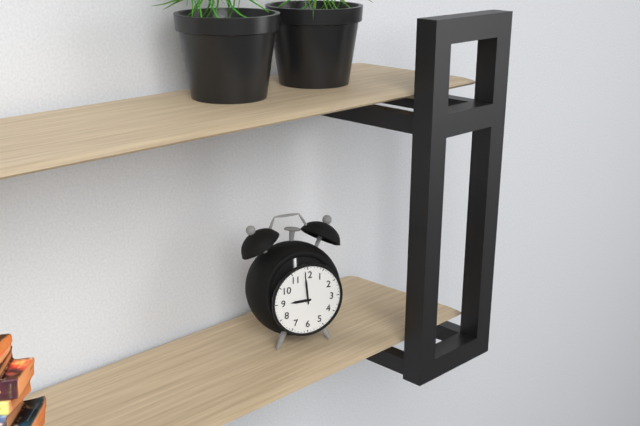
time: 8:59
